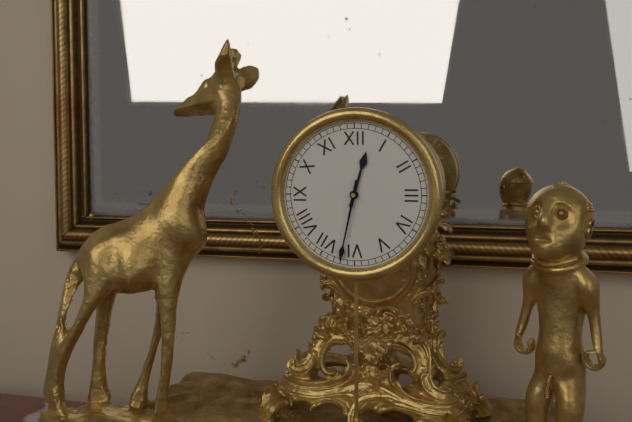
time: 12:32
